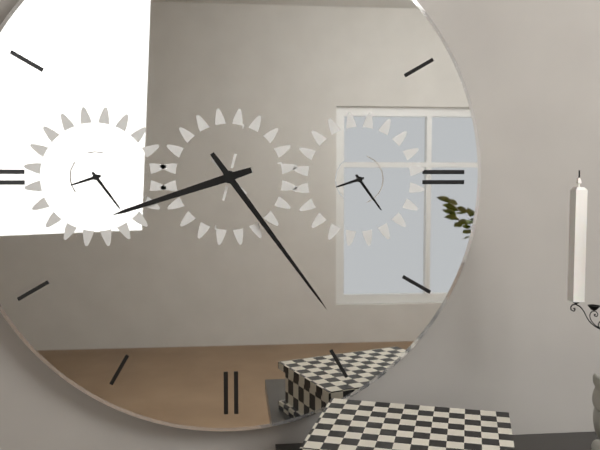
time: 8:24
